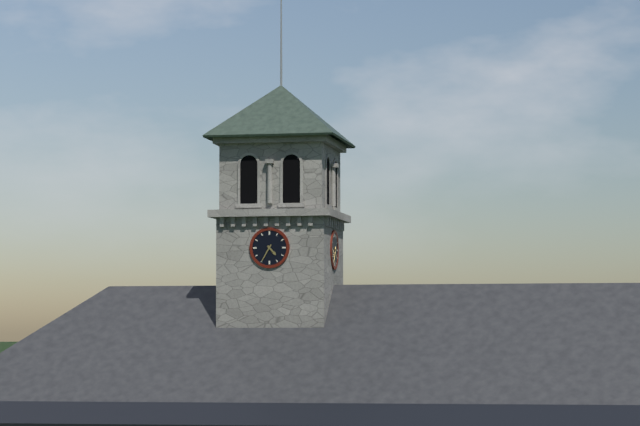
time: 4:35
